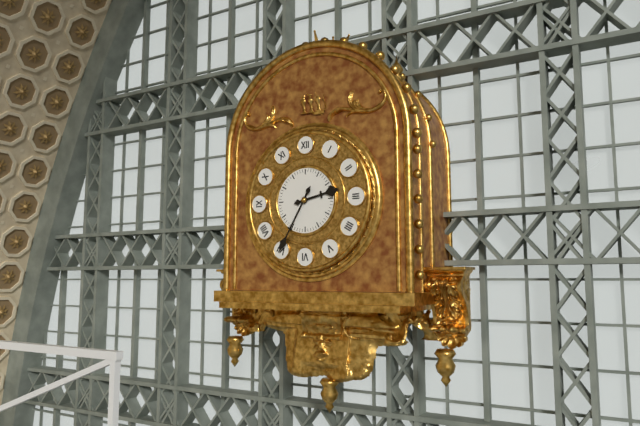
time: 2:35
